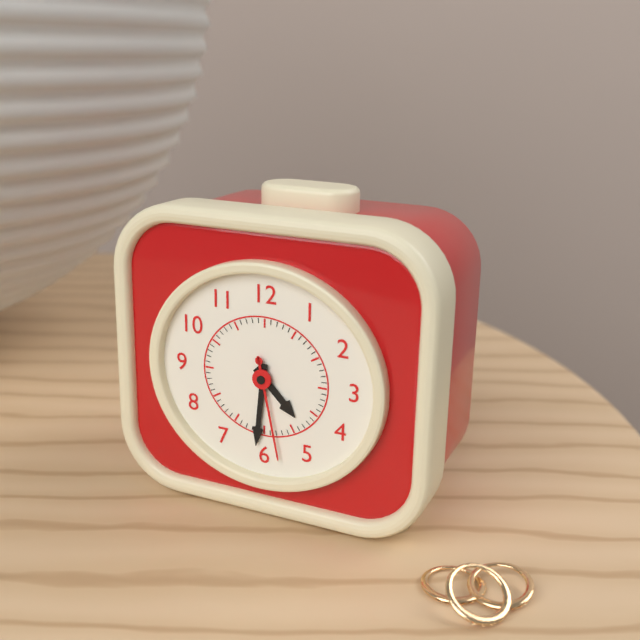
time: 4:31:28
